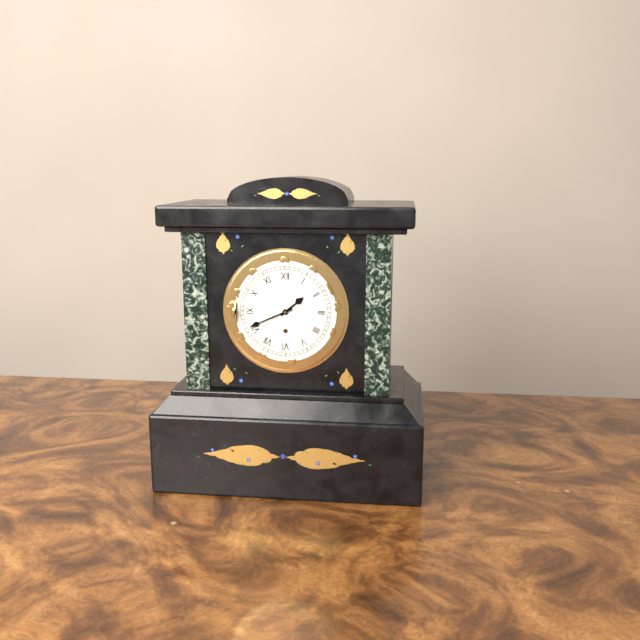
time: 1:41
